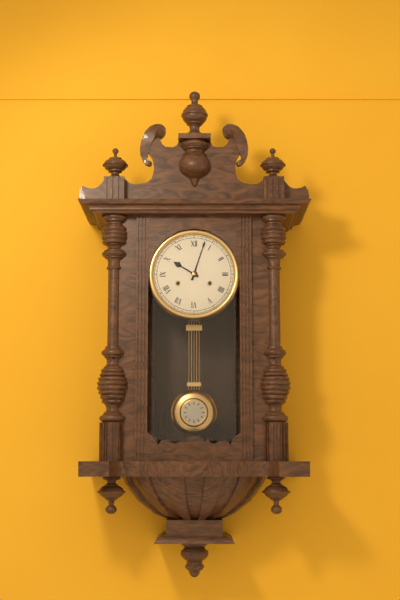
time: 10:03
